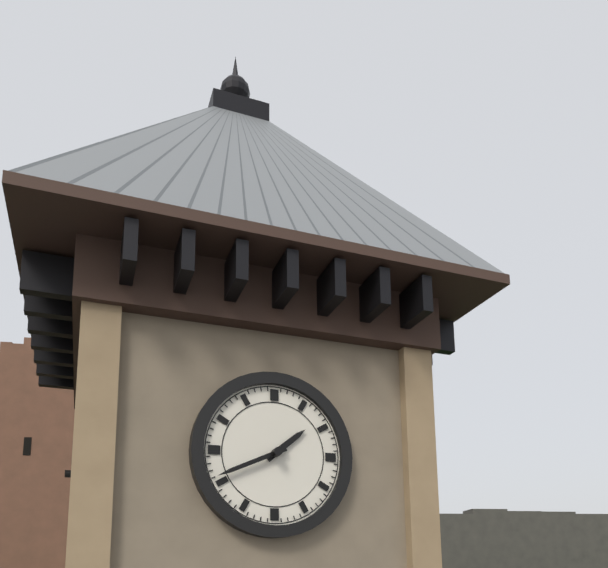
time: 1:41
